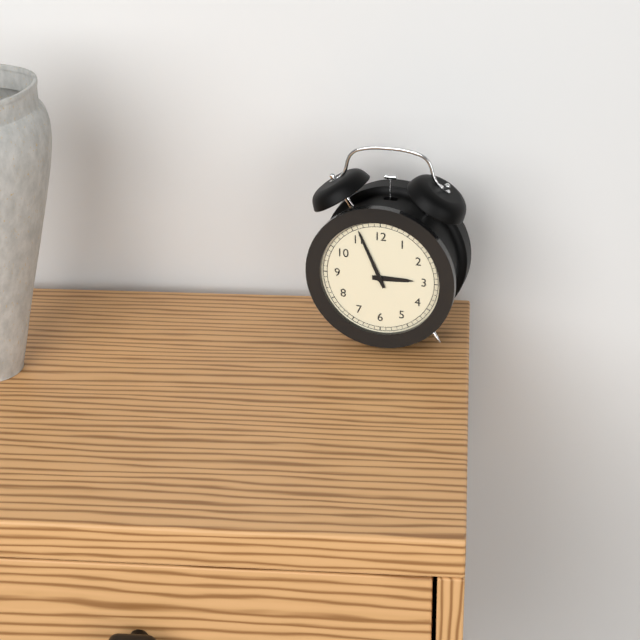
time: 2:56
